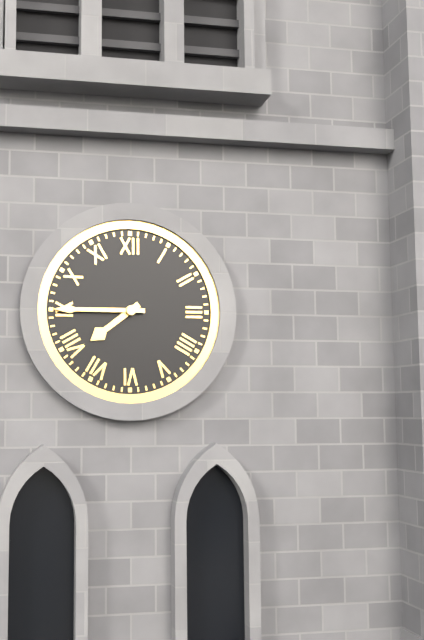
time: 7:45
